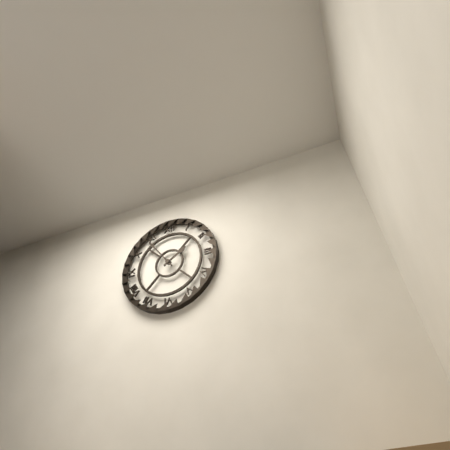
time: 1:54
